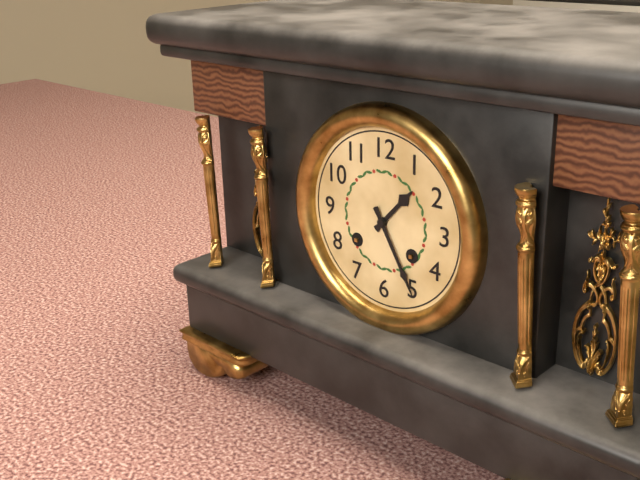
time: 1:25
